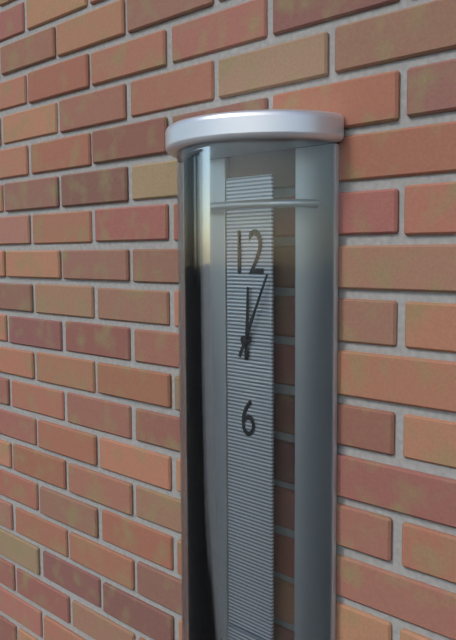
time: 12:04
